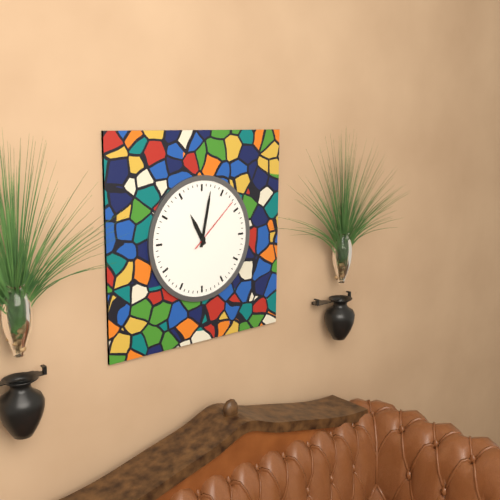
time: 11:02:08
